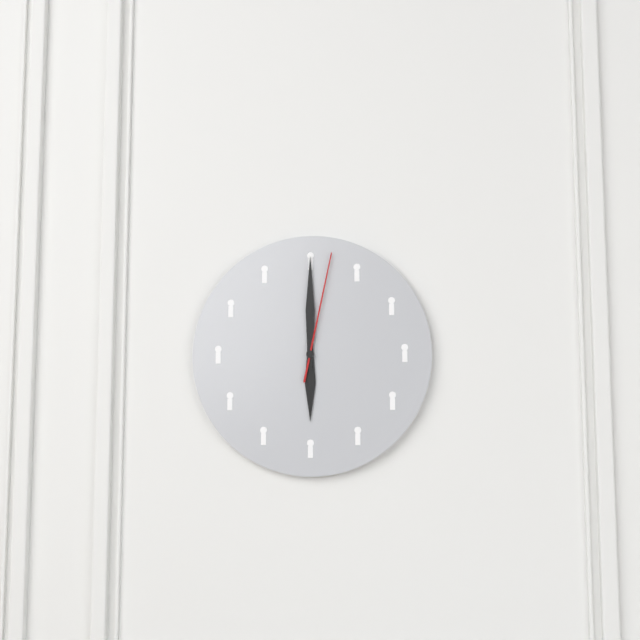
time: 6:00:02
